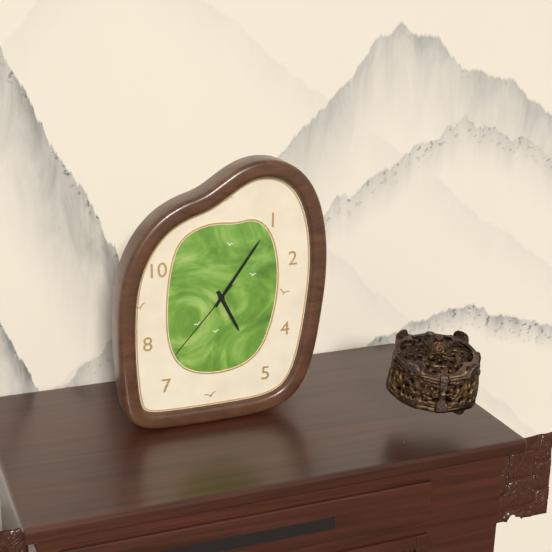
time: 5:06:37
